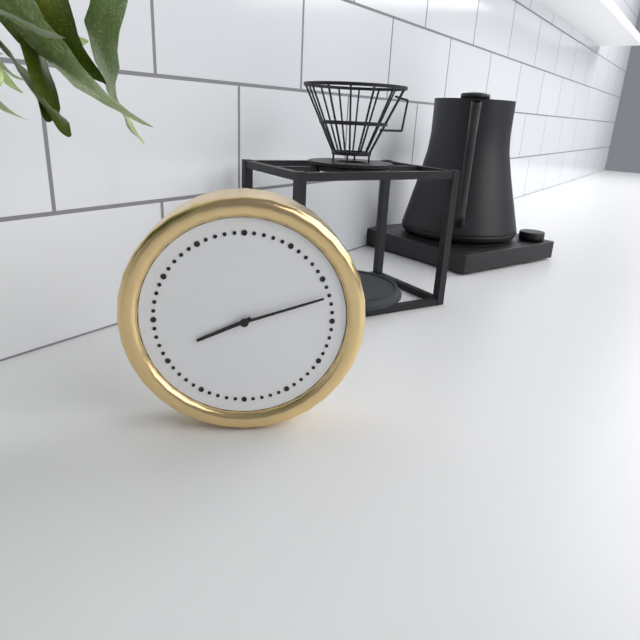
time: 8:12
